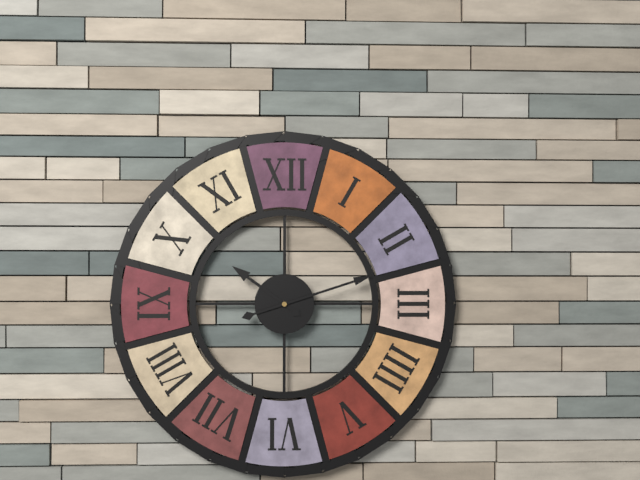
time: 10:12
